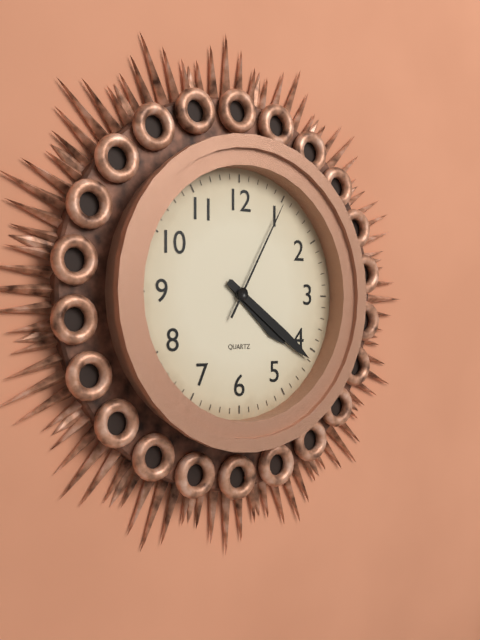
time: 4:21:05
